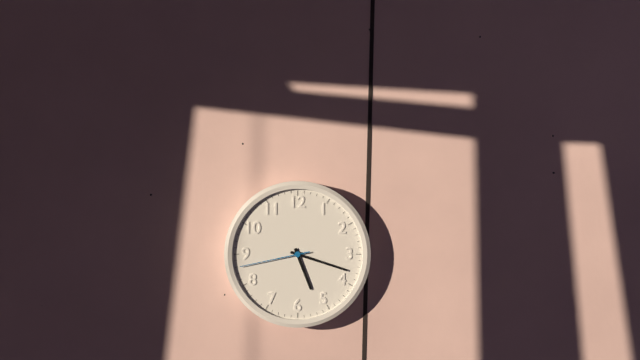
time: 5:18:43
